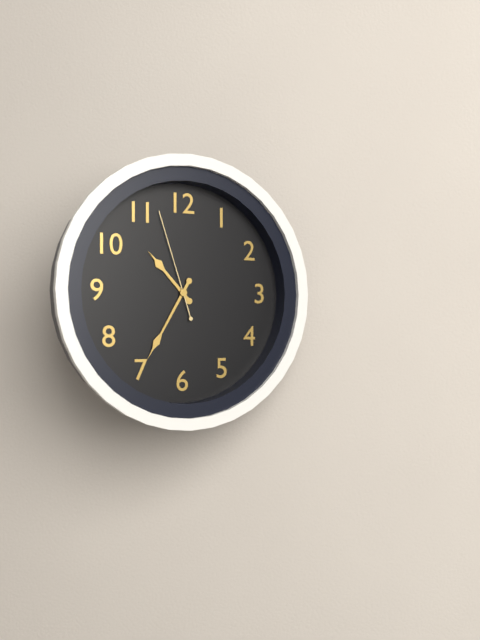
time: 10:35:57
